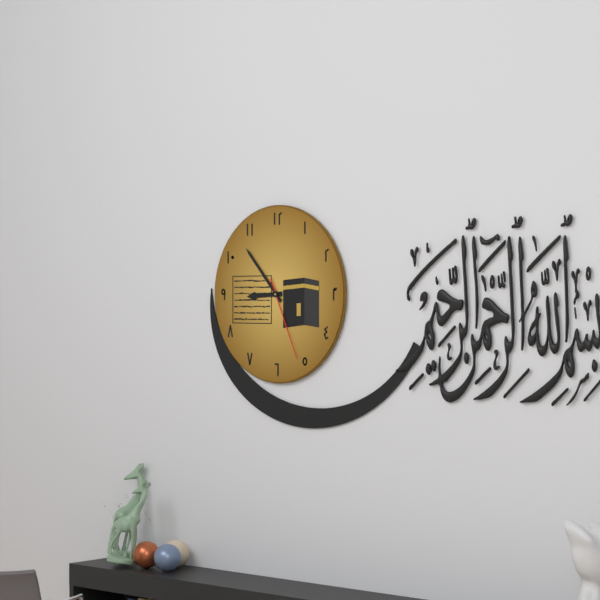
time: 8:53:26
